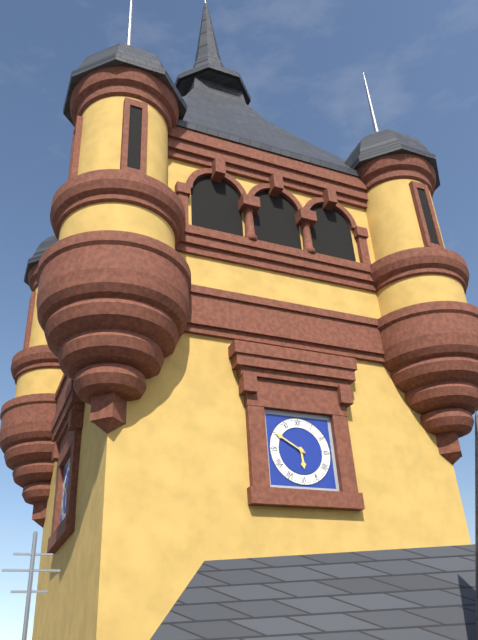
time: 5:50
